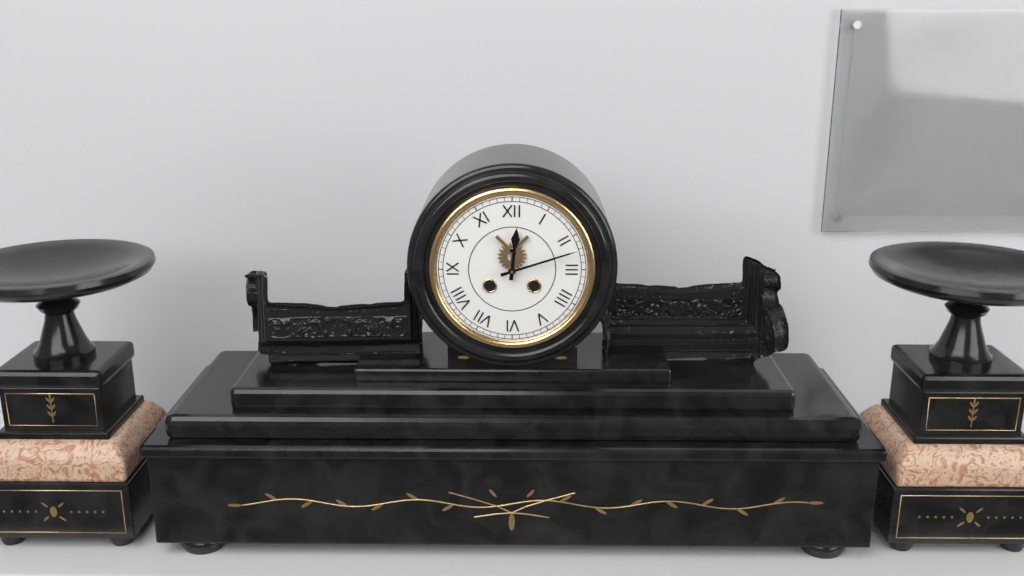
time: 12:12
